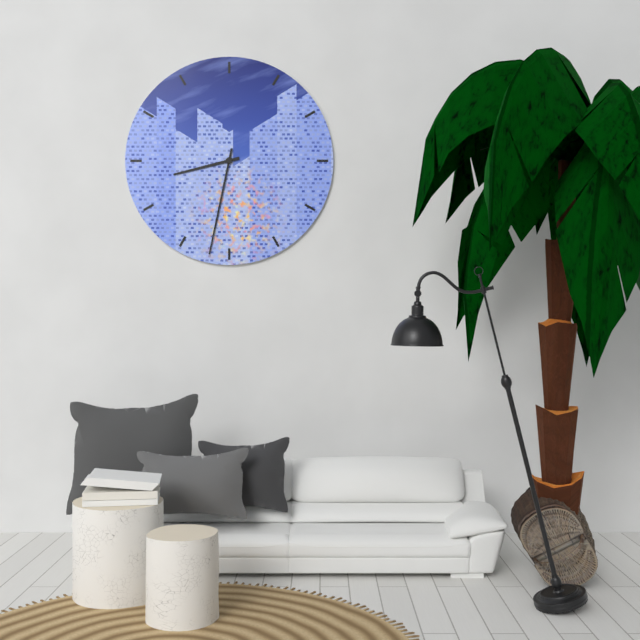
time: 8:32
